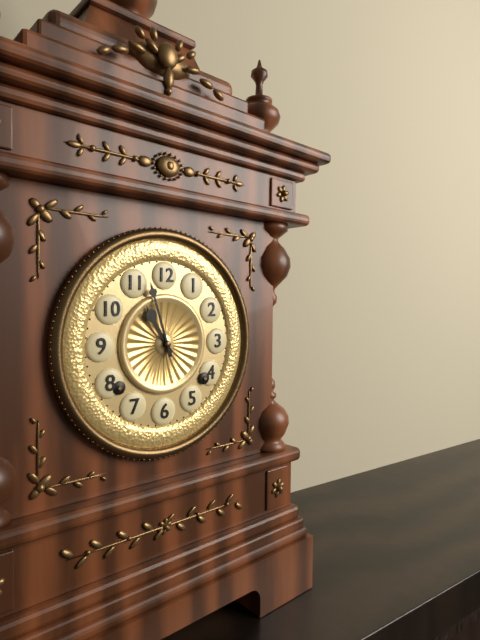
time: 10:57
